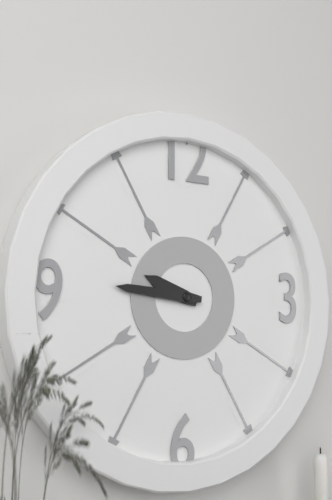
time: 9:46
